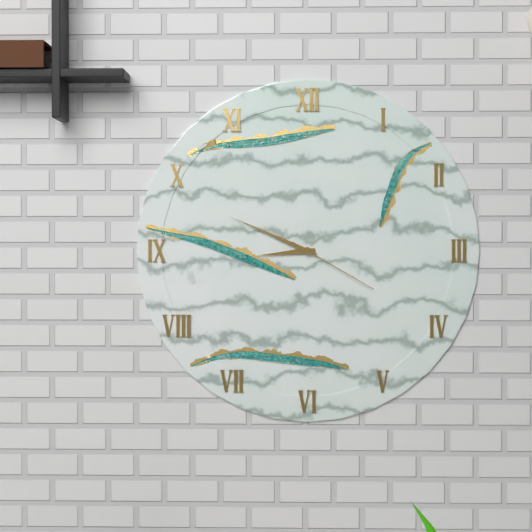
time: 8:49:20
